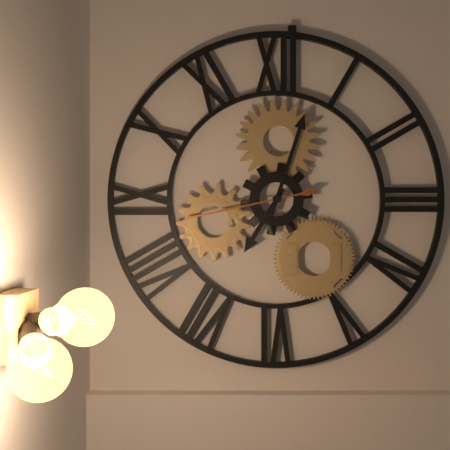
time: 7:03:43
